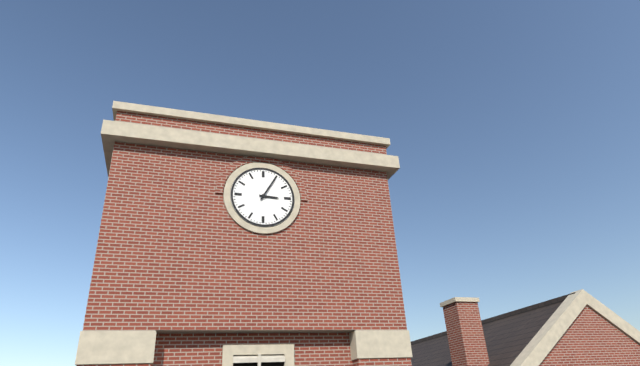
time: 3:05
